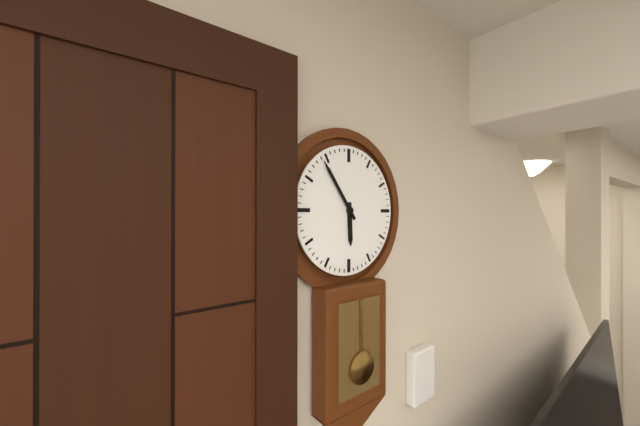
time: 5:54
